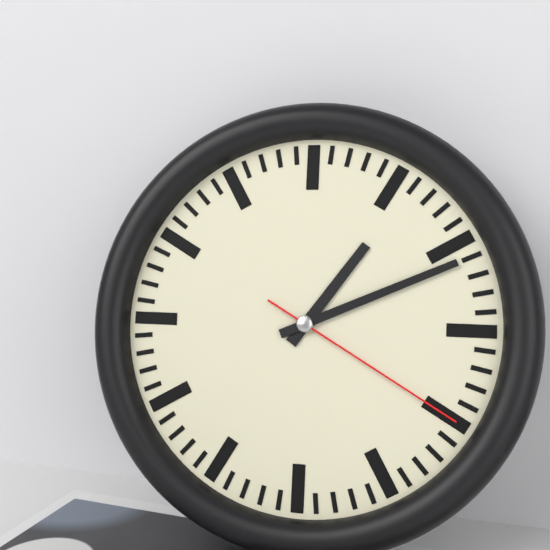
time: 1:11:20
